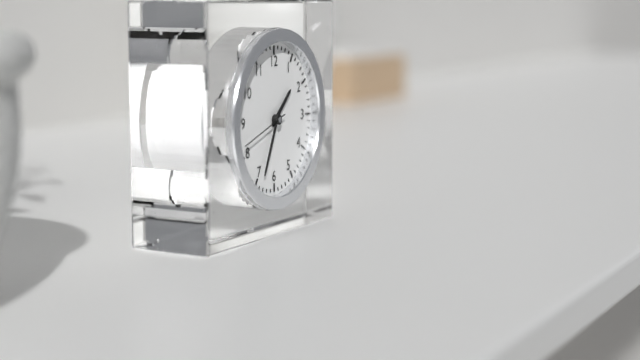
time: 1:34:42
